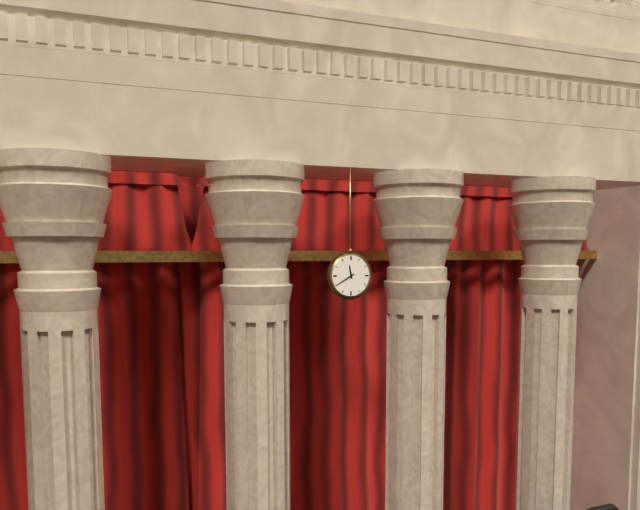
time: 11:40
